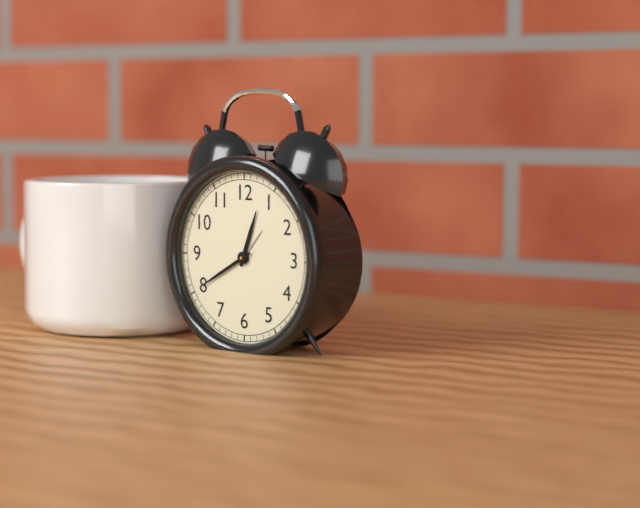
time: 12:40
